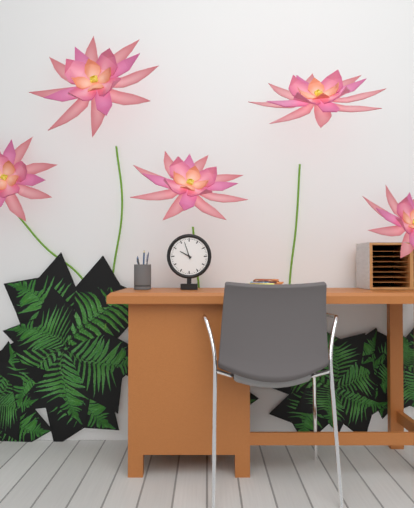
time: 9:57
